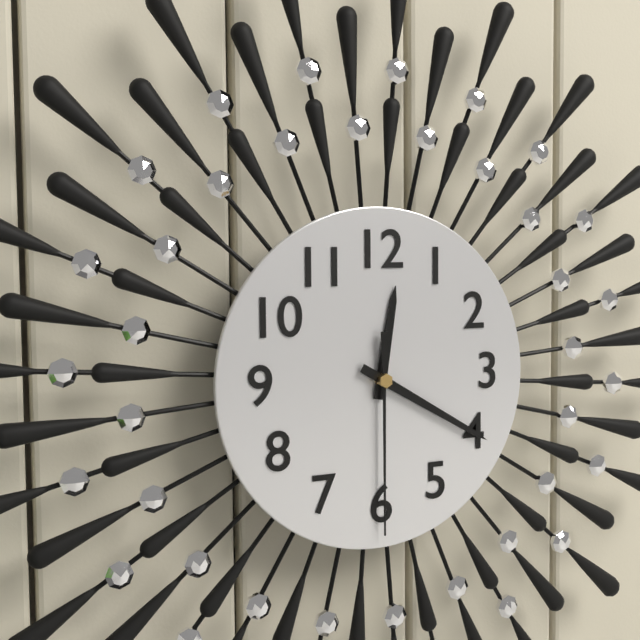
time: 12:20:30
